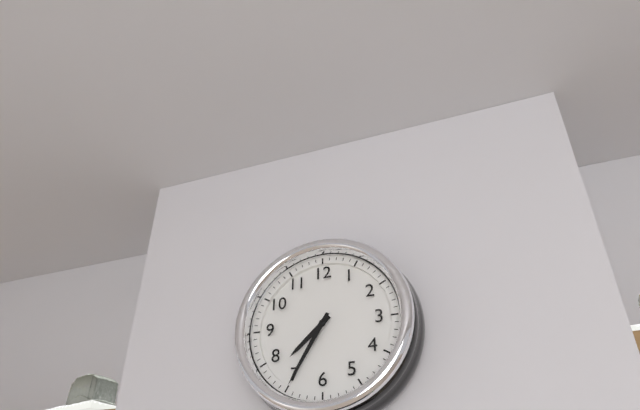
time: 7:35
